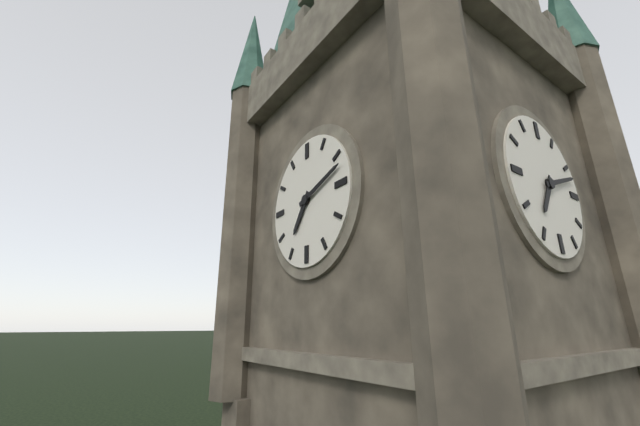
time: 7:12
